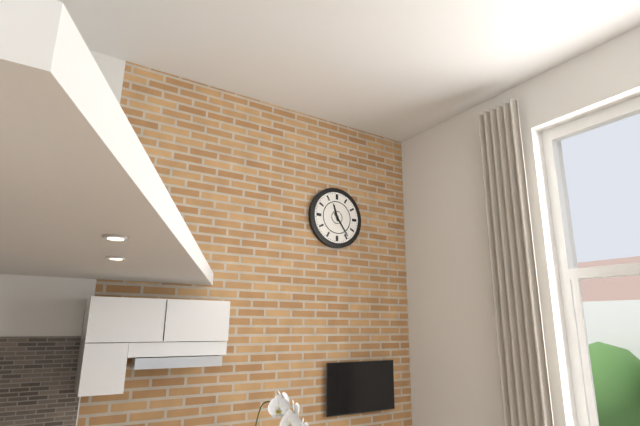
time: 11:24
